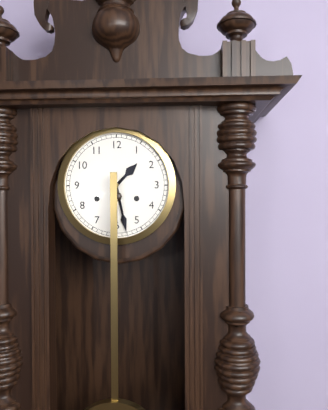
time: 1:28
